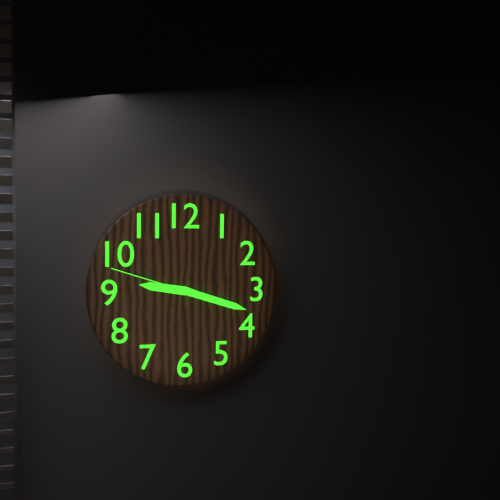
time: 9:18:48
